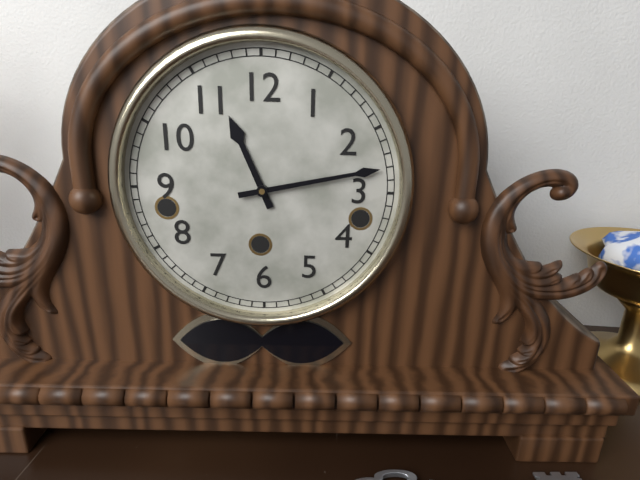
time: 11:13
